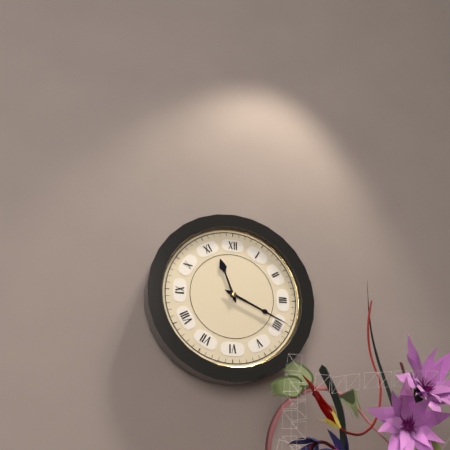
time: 11:19
